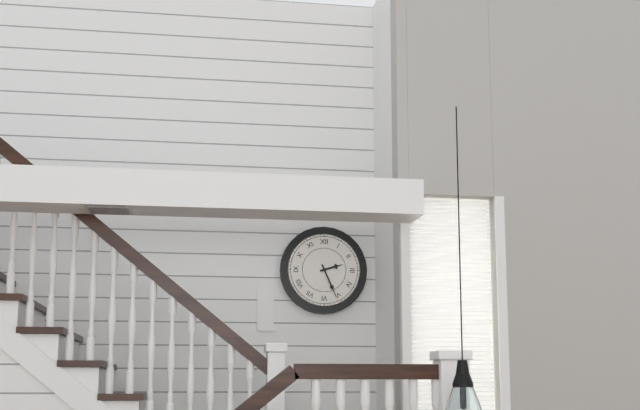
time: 2:26
